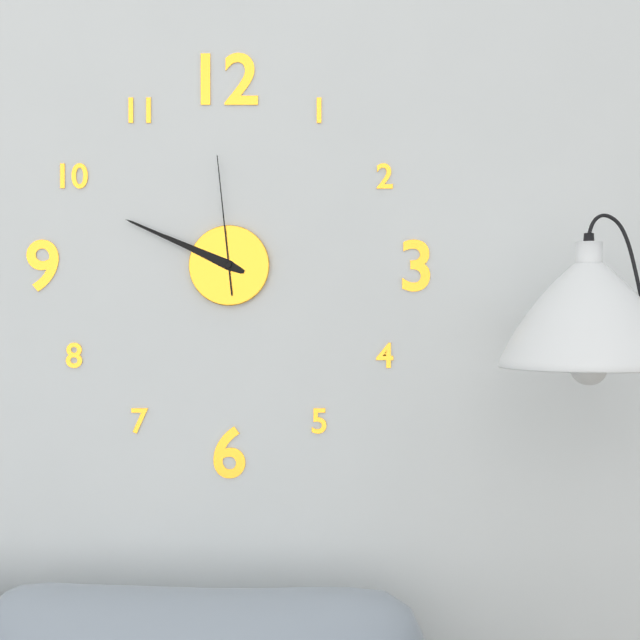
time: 9:49:59
